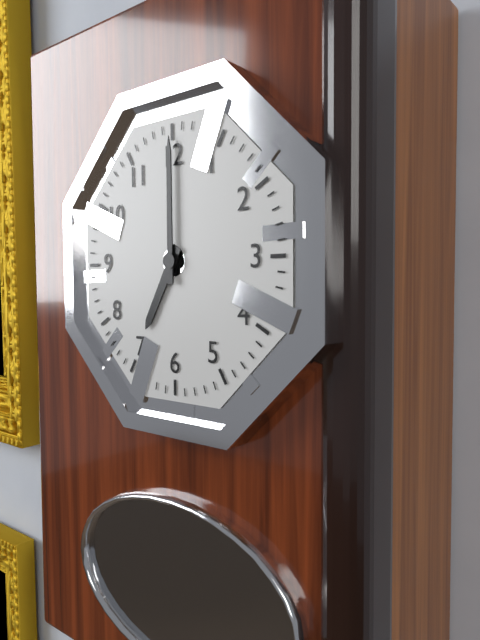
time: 7:00
